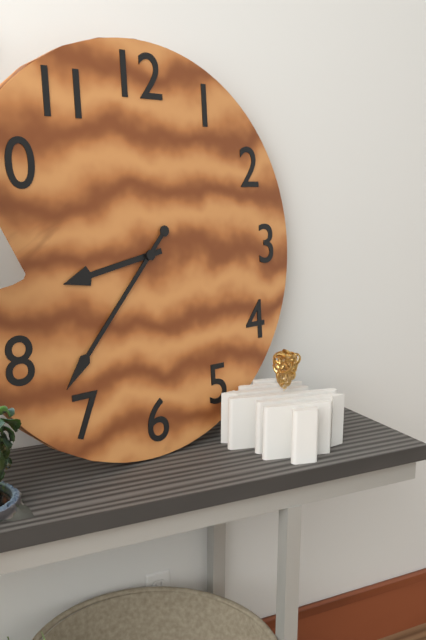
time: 8:37
